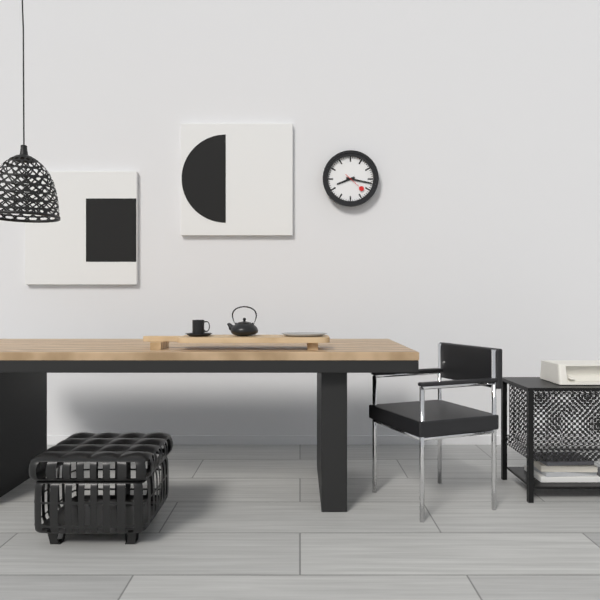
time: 8:17
